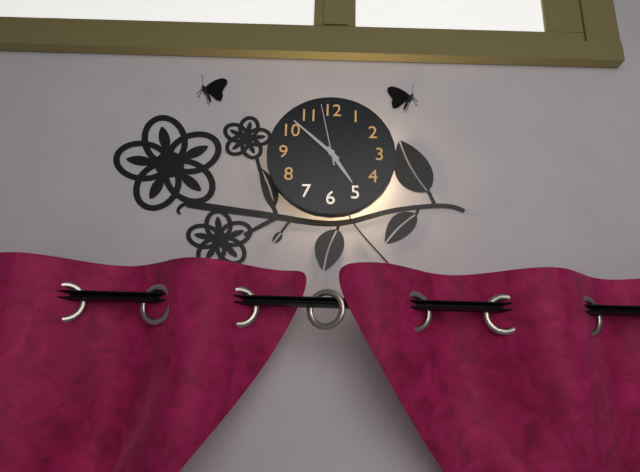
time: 4:52:58
